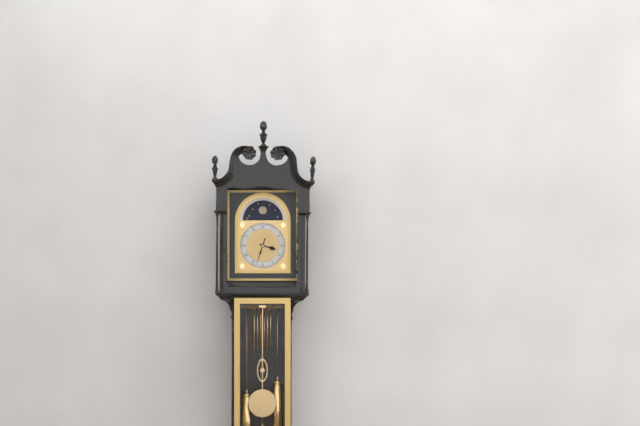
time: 3:33
